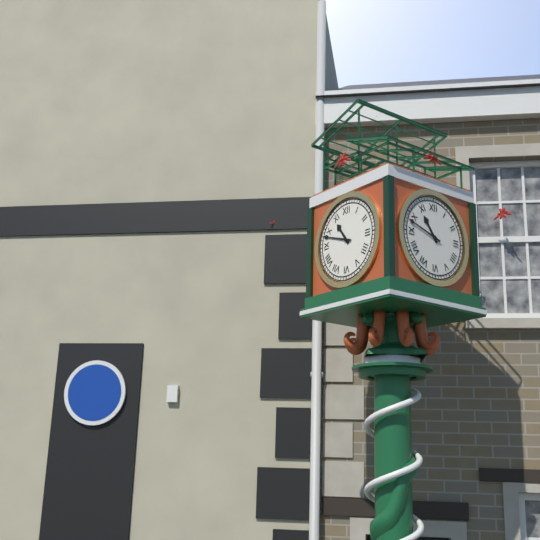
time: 10:48
